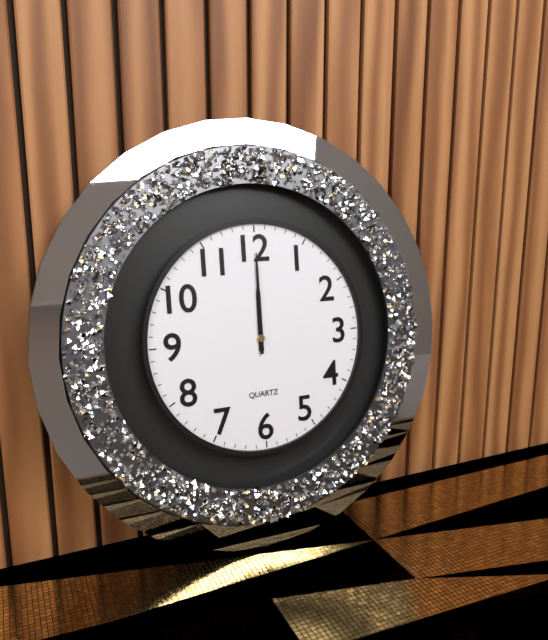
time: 12:00
